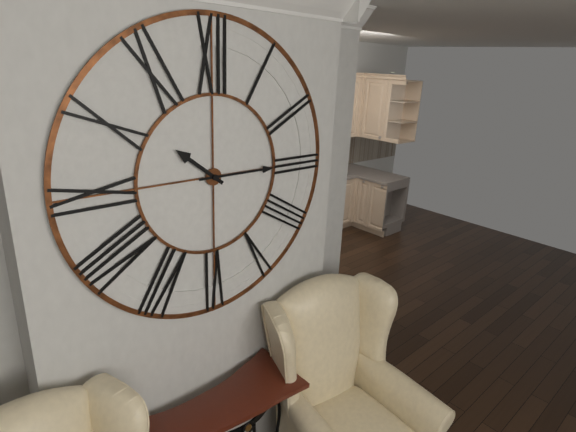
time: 10:15
